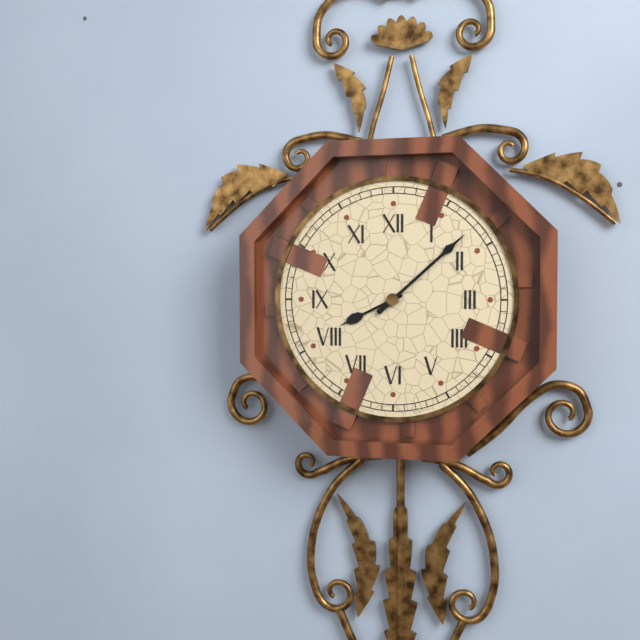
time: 8:08
